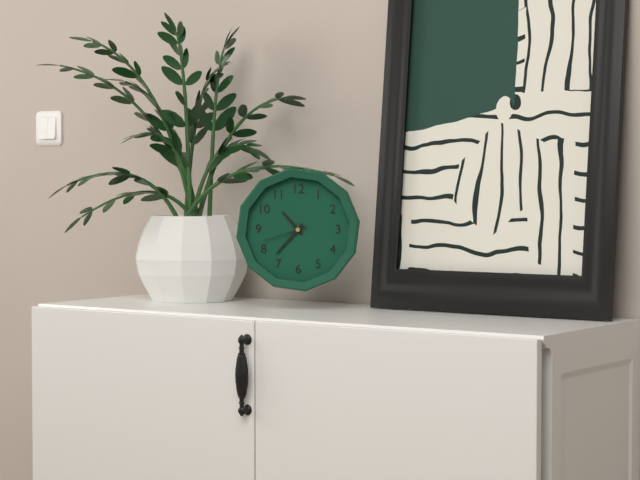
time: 10:37
